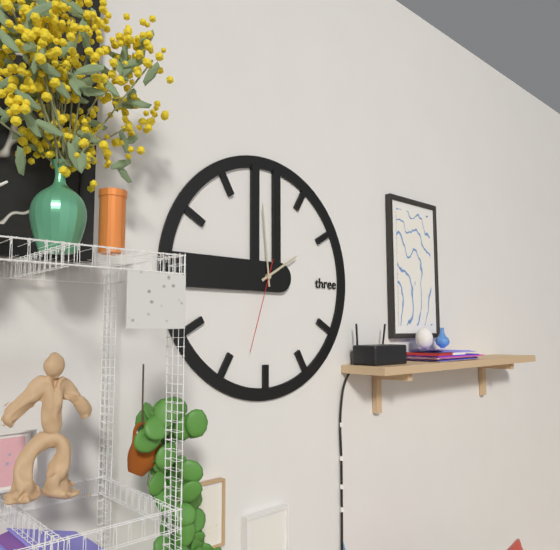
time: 1:59:33
